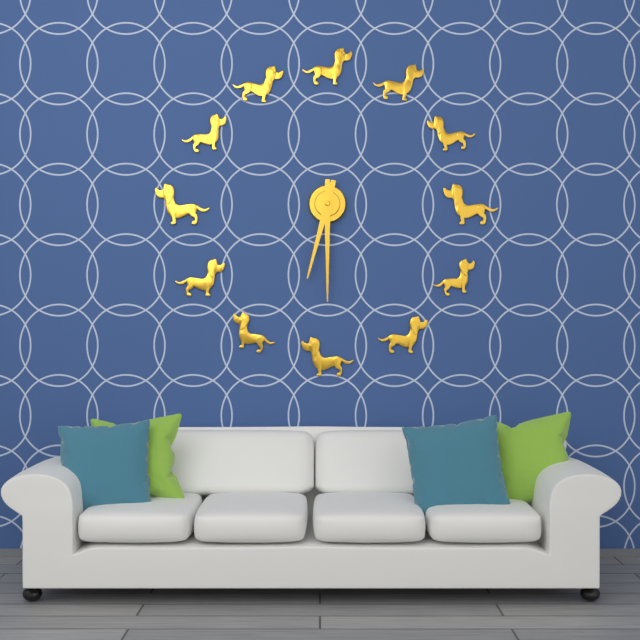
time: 6:30
